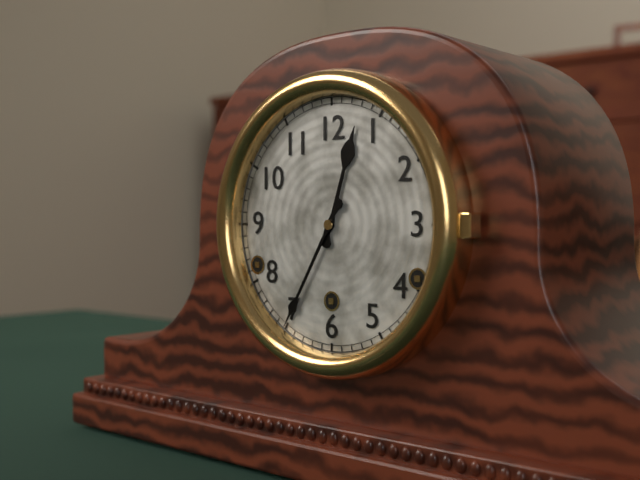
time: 12:35
